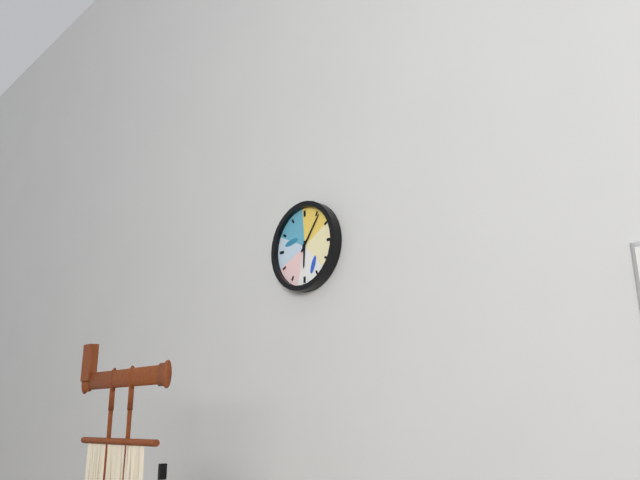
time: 6:06
